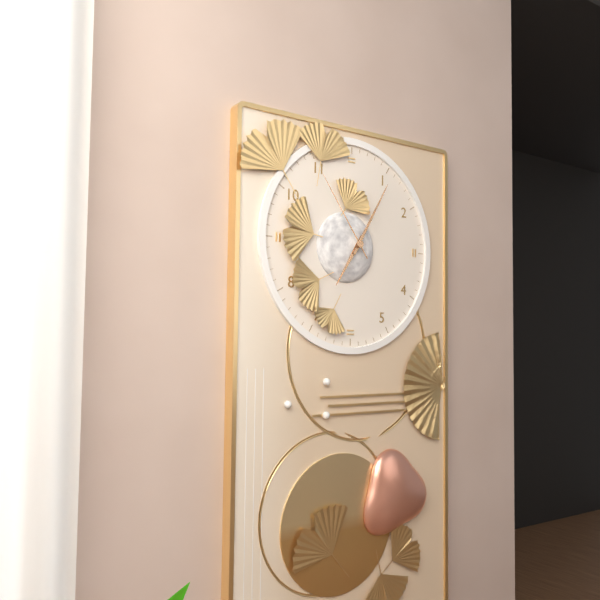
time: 7:05:54
